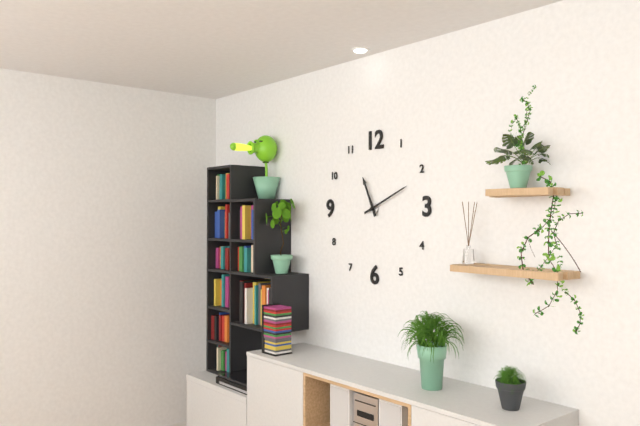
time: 11:11
